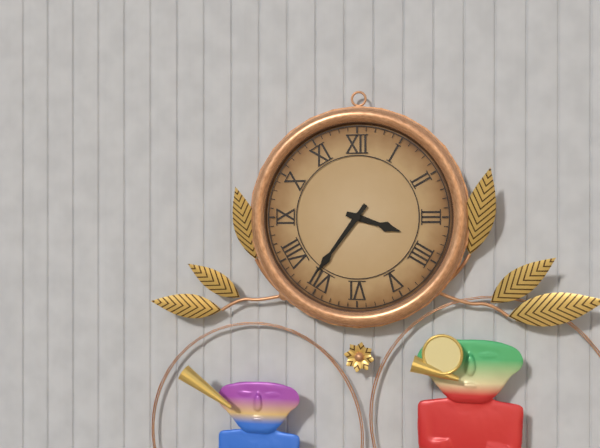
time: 3:36
